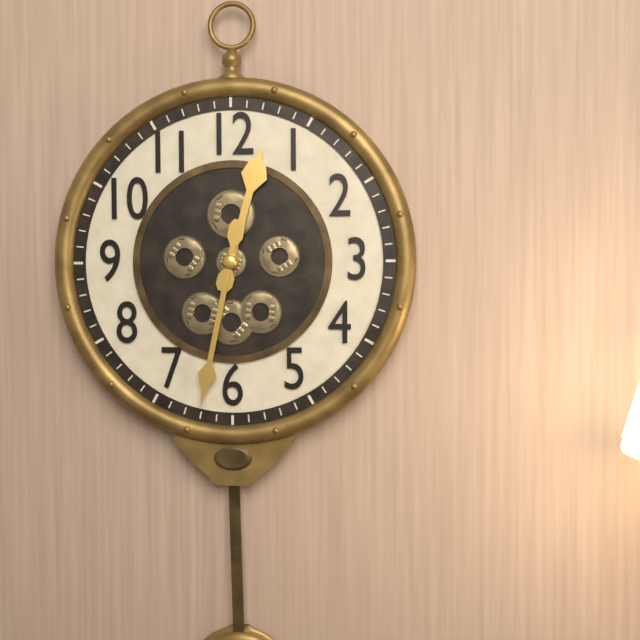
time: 12:32
